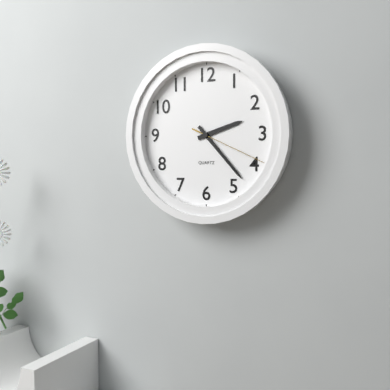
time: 2:23:19
